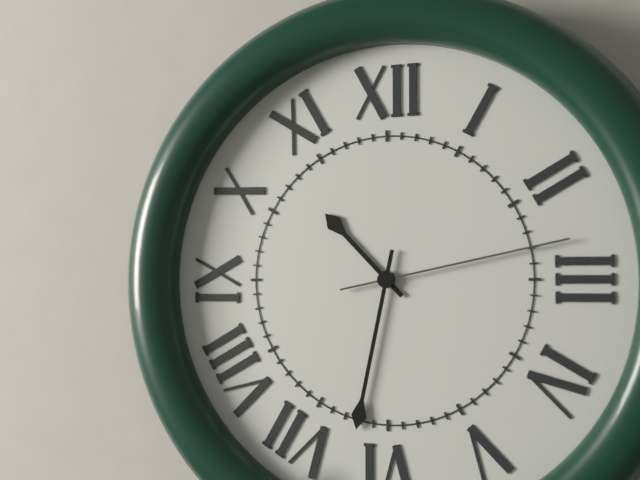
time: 10:32:13
